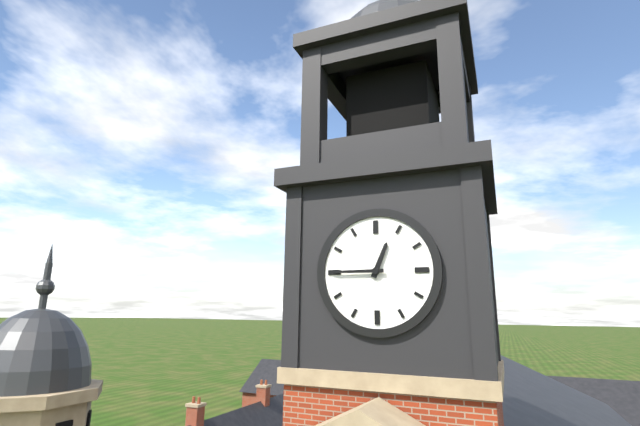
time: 12:45
